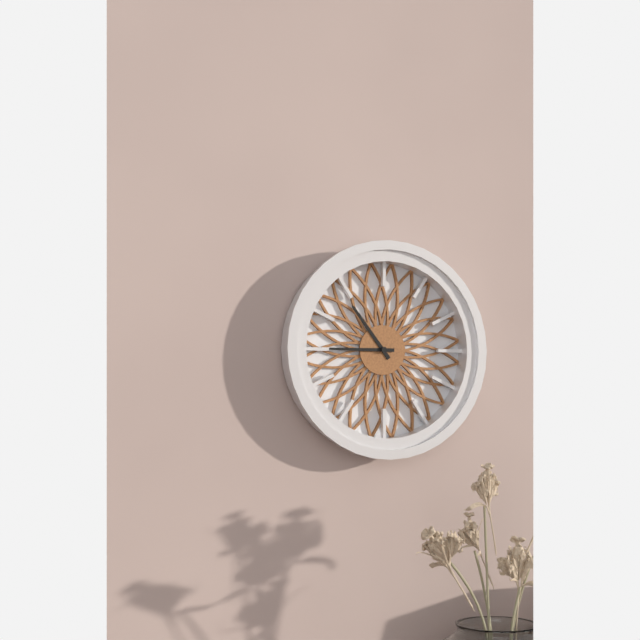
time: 10:45
